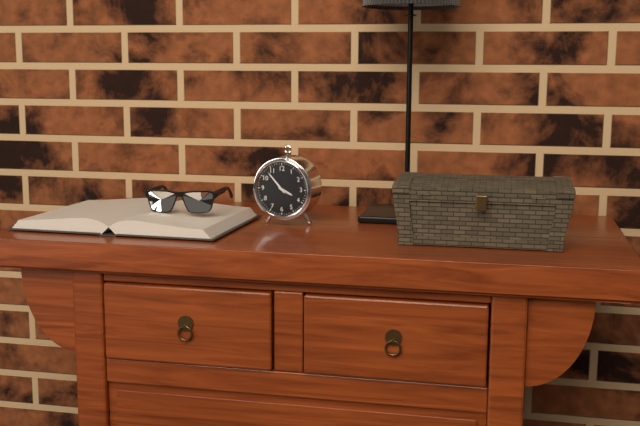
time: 3:53
